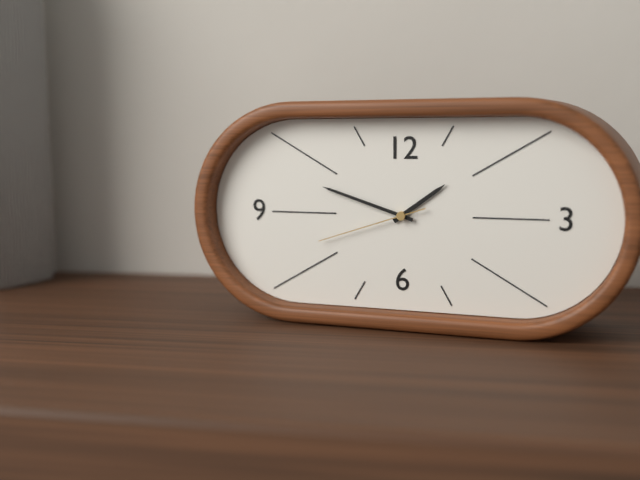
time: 1:48:42
